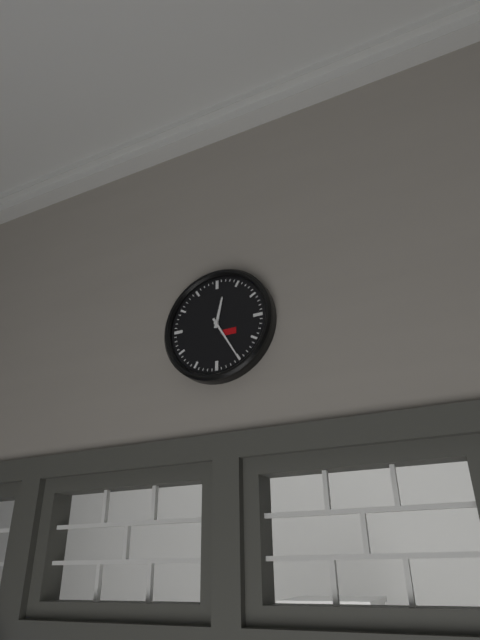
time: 12:25
